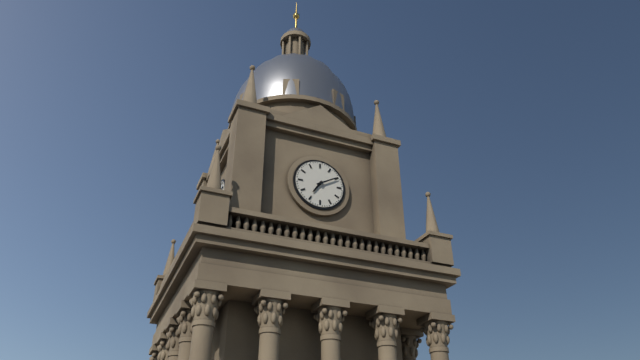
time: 7:10
